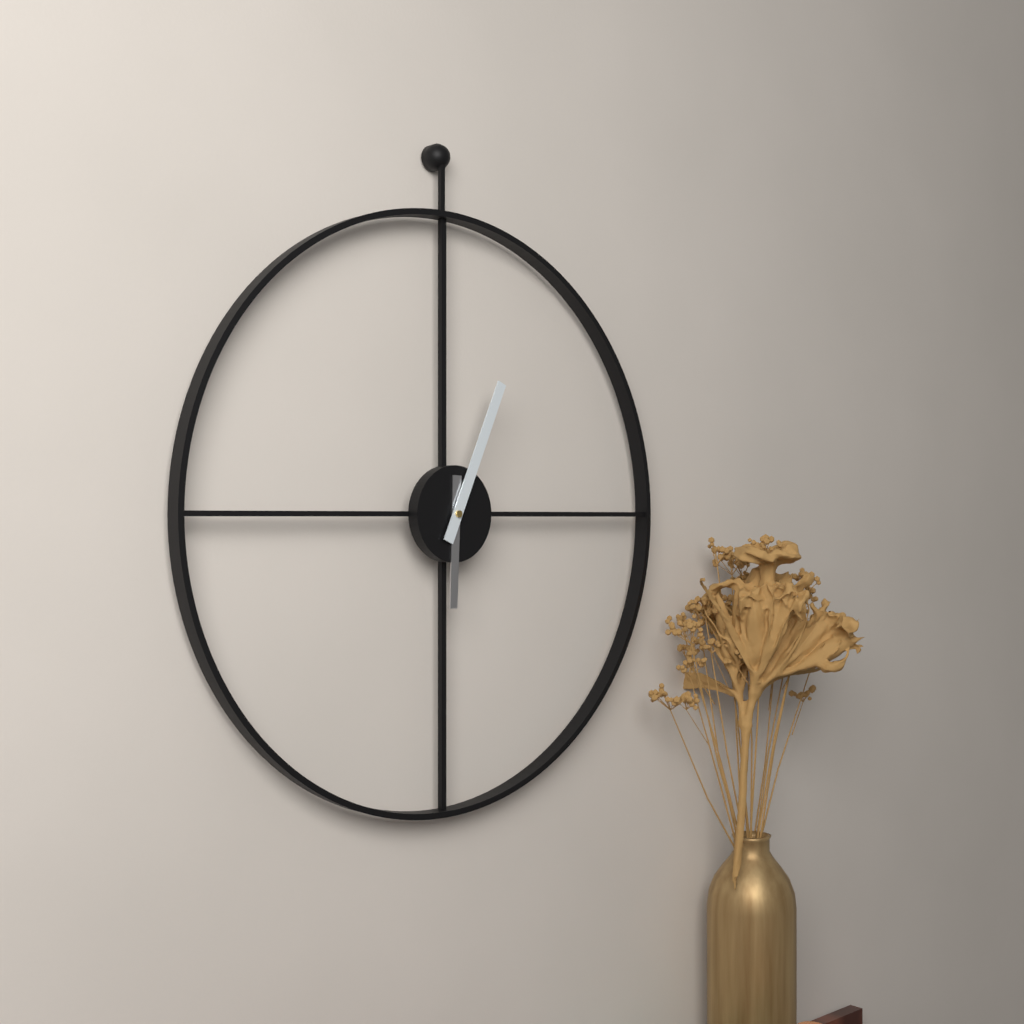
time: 6:04
